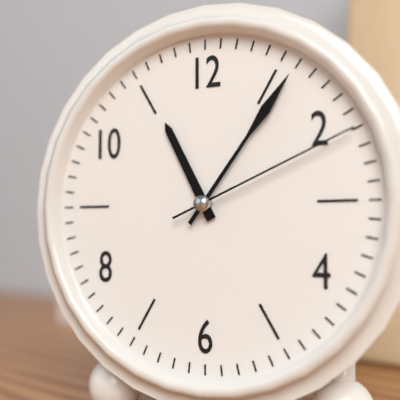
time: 11:06:11
